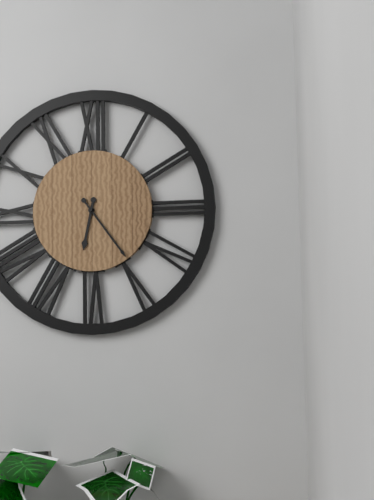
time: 6:24
